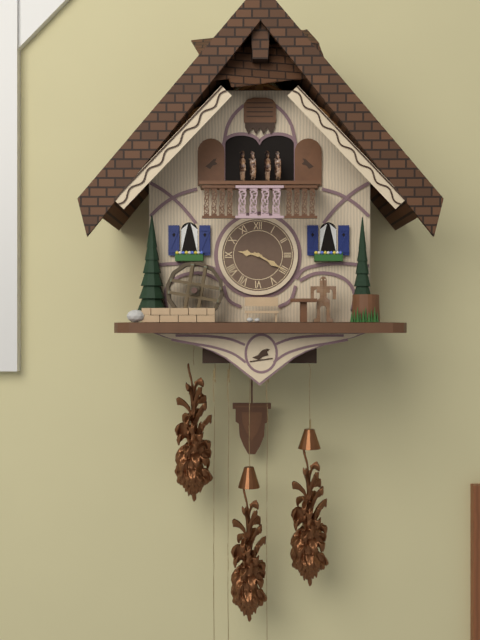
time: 9:20
